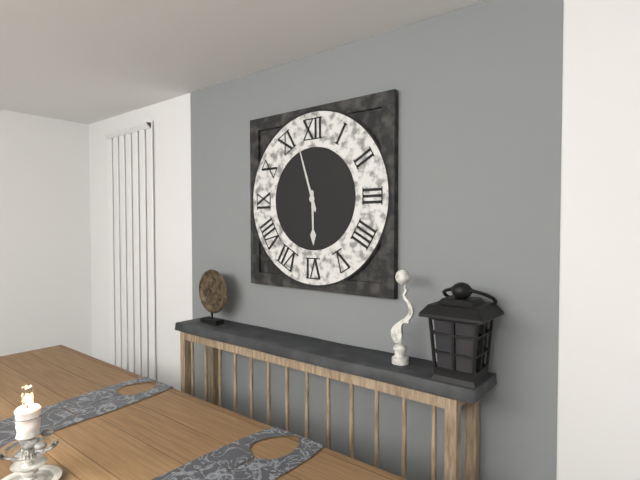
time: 5:57
